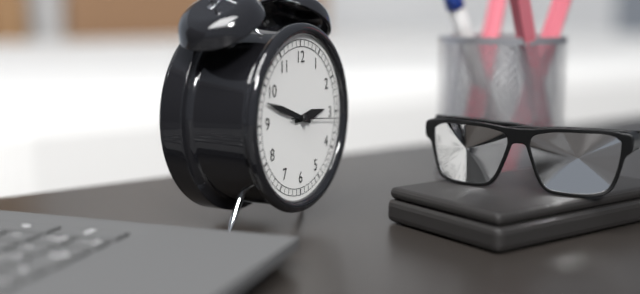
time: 2:48
